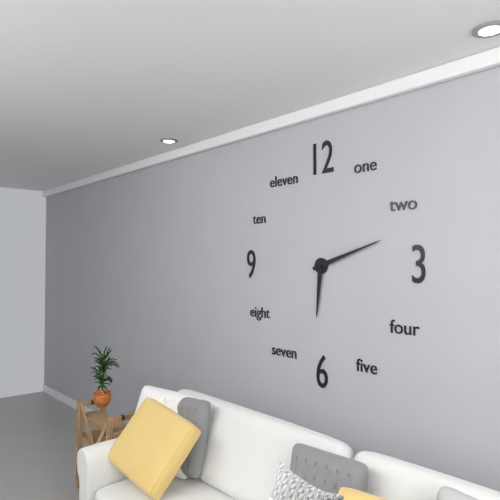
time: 6:12
